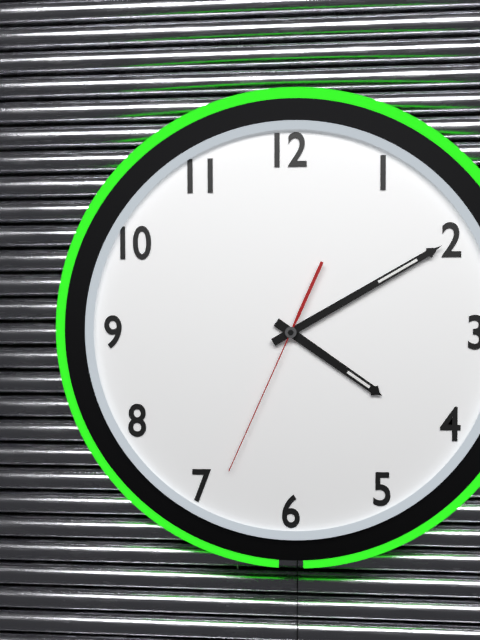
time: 4:10:34
